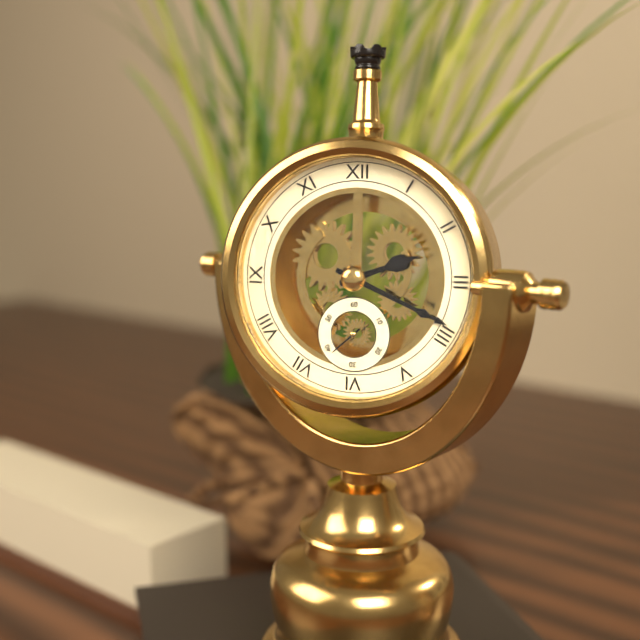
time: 2:19
